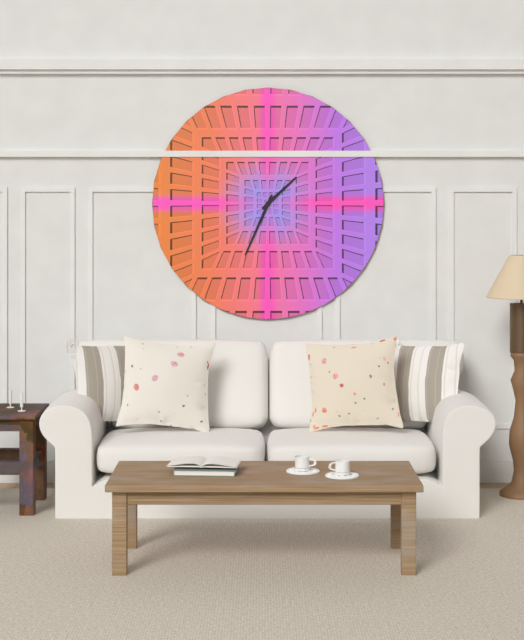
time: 1:34
